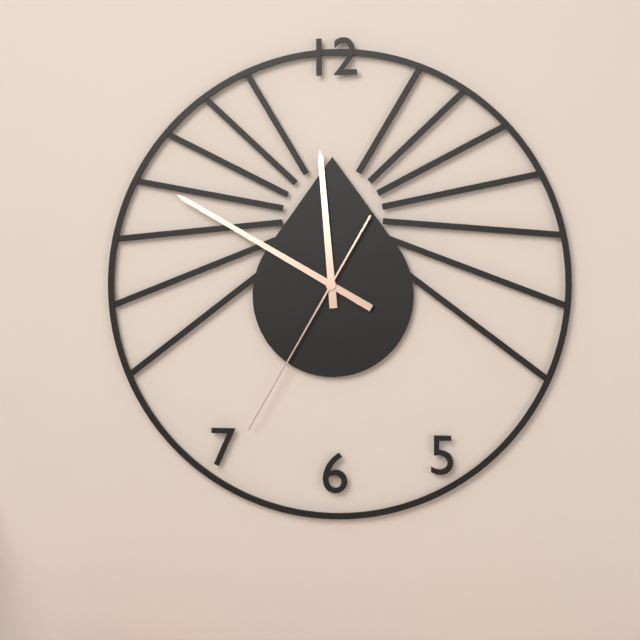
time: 11:50:35
